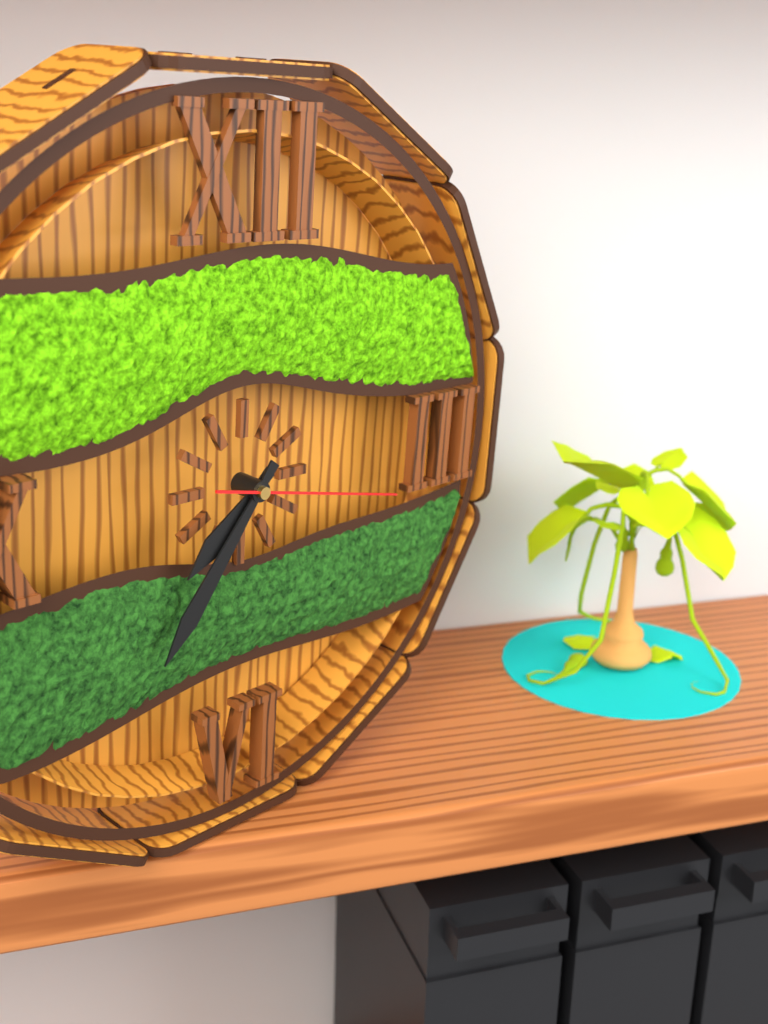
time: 7:36:17
